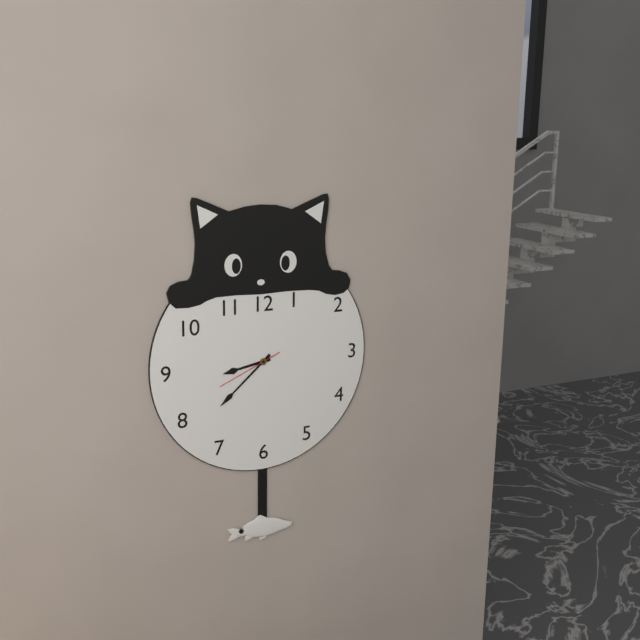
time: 8:38:41
